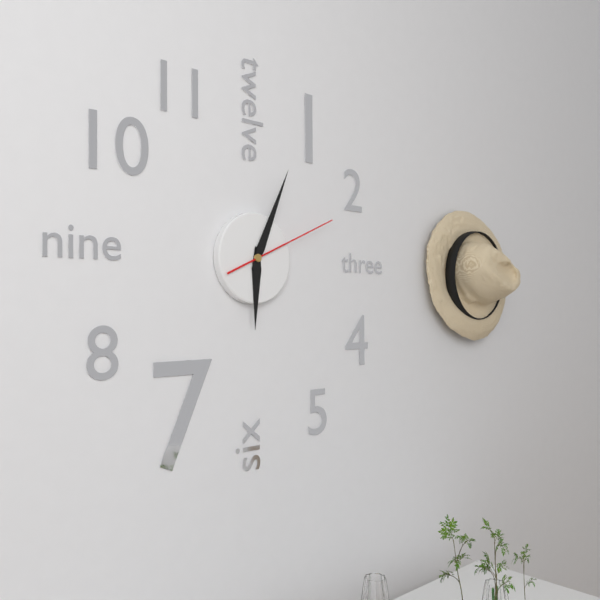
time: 6:04:11
